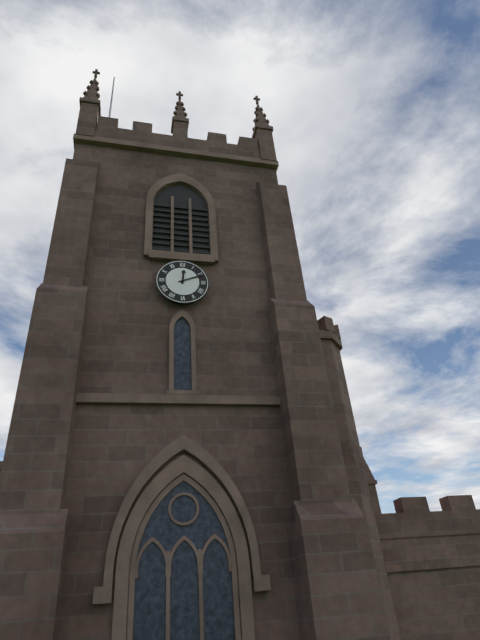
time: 12:11
